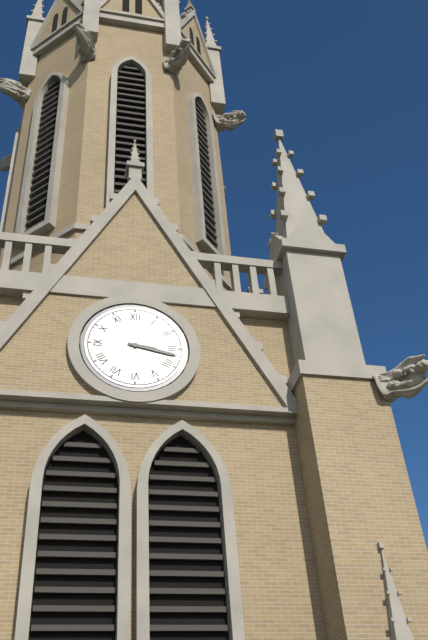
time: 3:17
